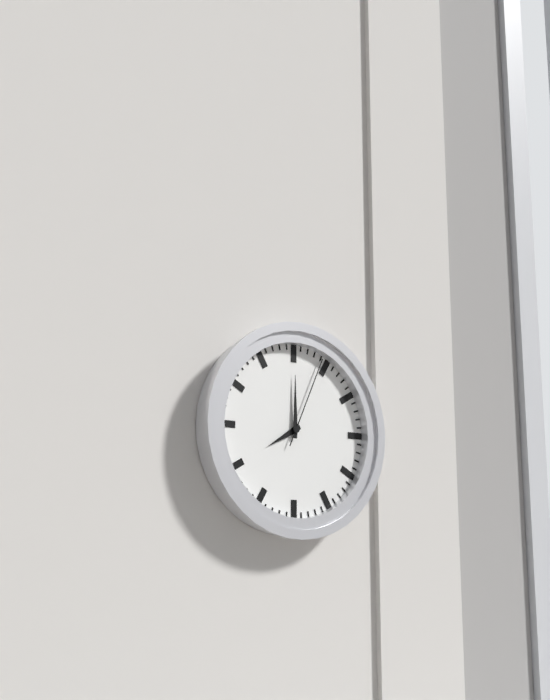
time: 8:00:04
